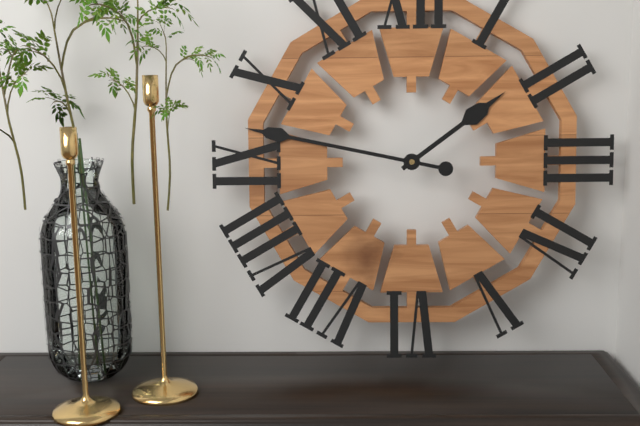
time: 1:47
